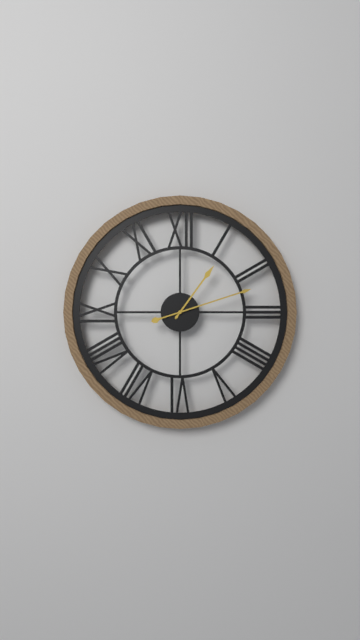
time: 1:12
